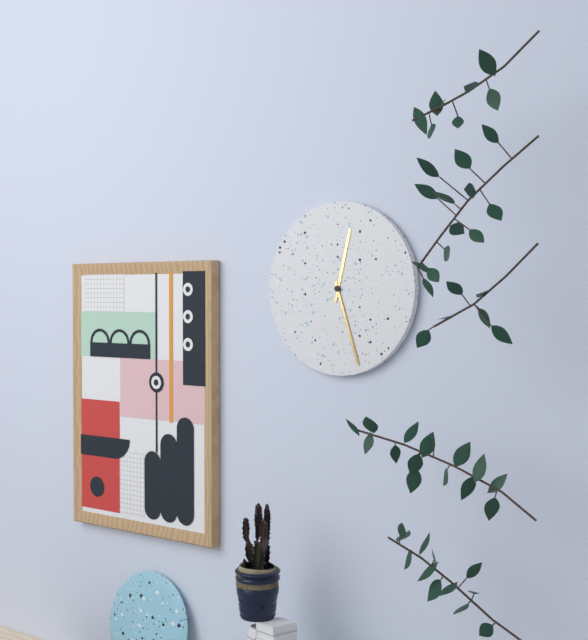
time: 12:27
